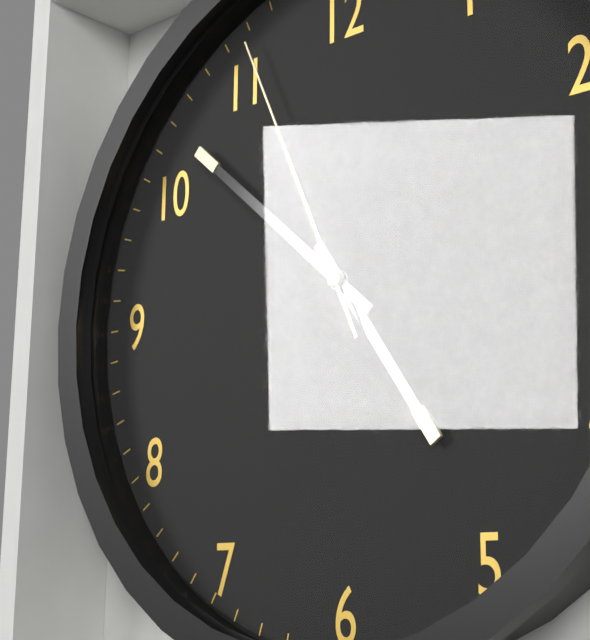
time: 4:52:56
